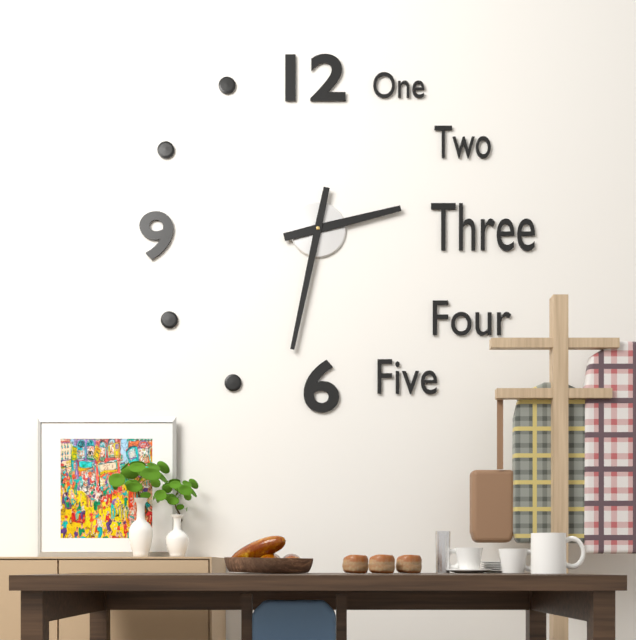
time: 2:32
